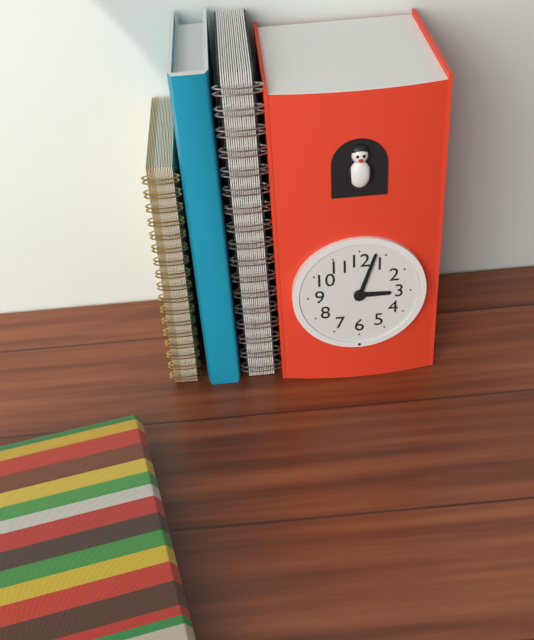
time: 3:03
